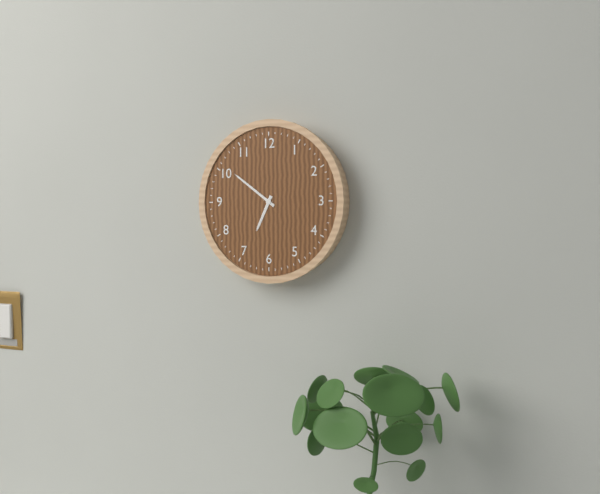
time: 6:51
